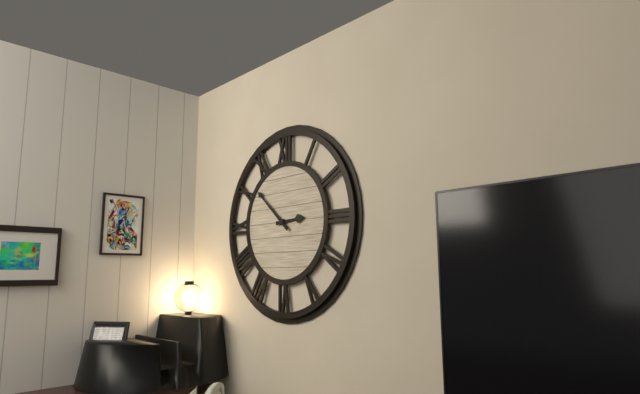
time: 2:52
